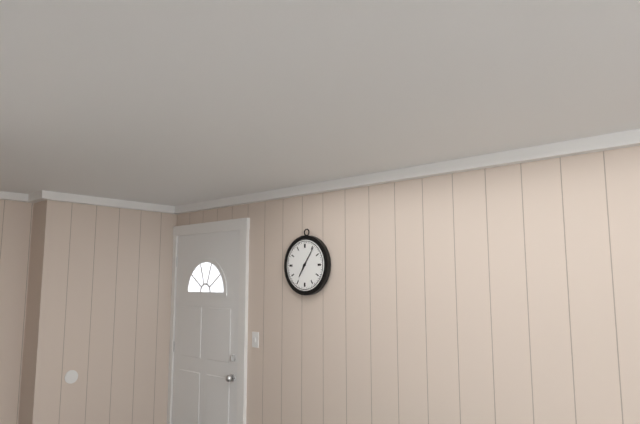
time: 7:06
